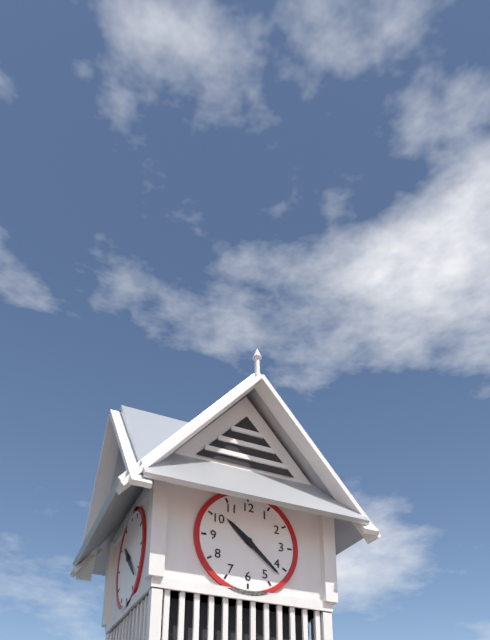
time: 10:22
